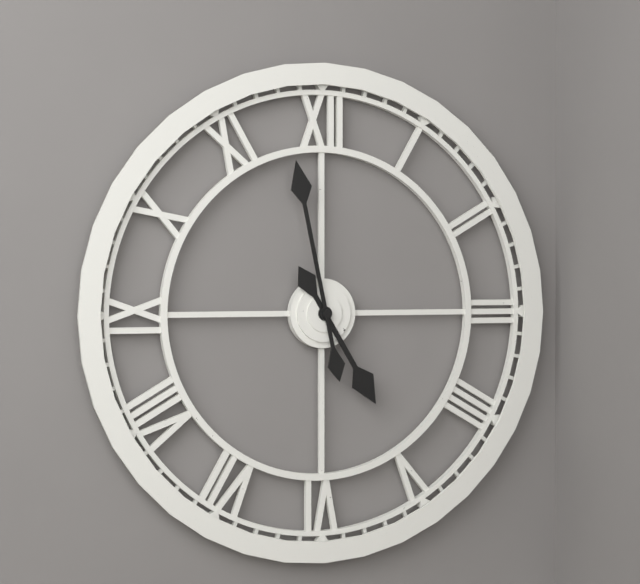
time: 4:58
